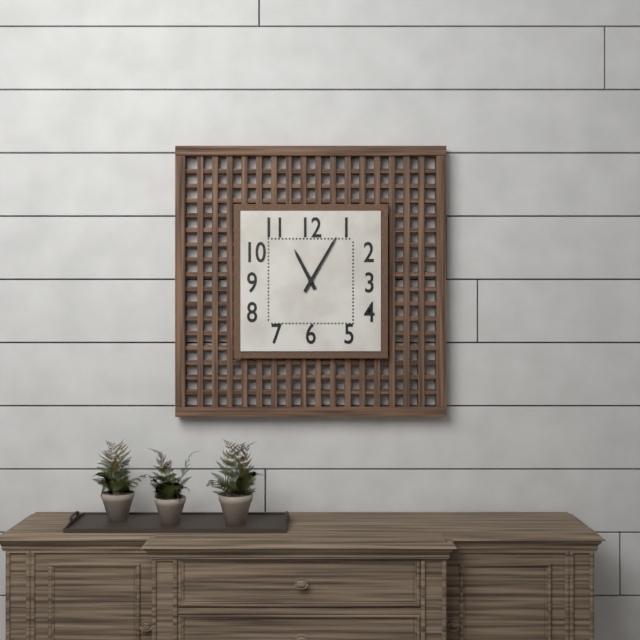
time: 11:05
